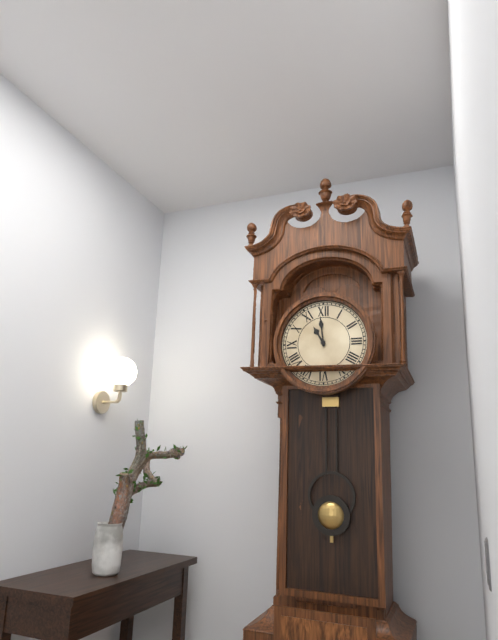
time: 10:59
